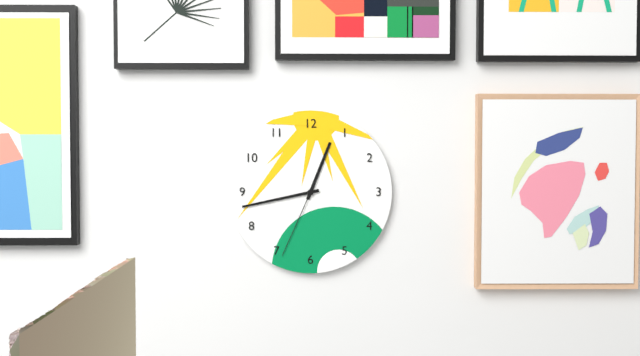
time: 12:43:34
